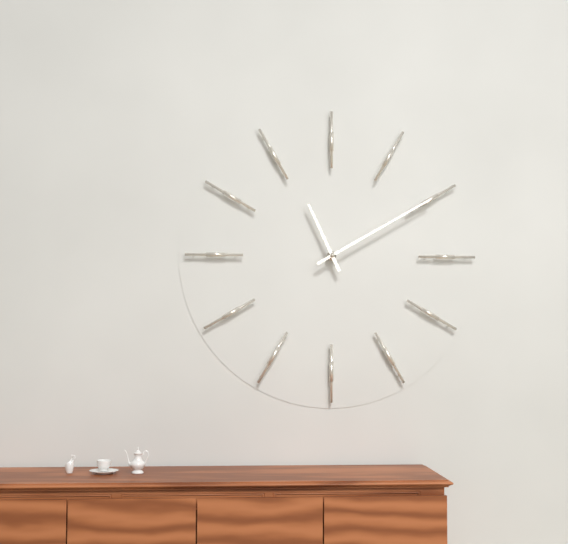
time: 11:10
